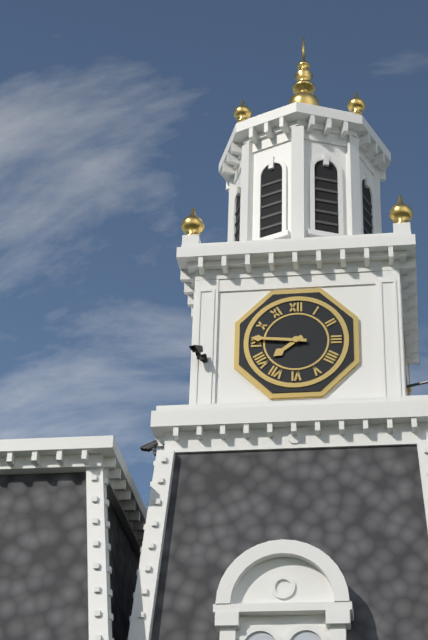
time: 7:46
